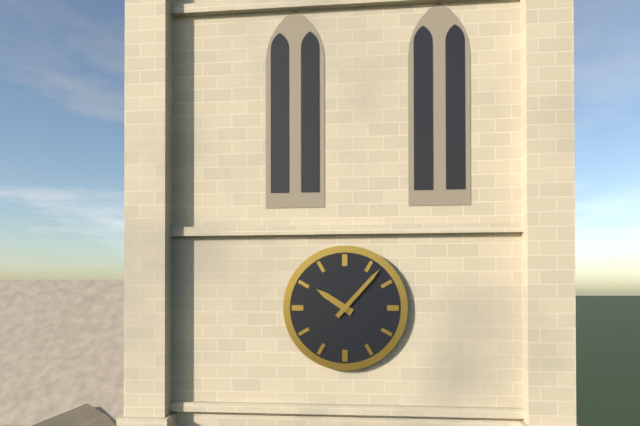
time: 10:07
